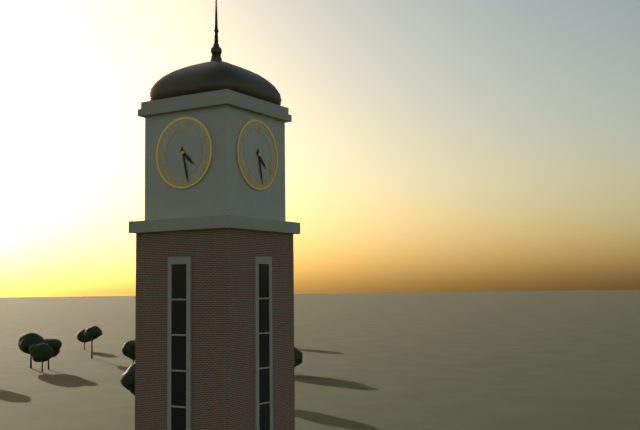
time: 4:28
